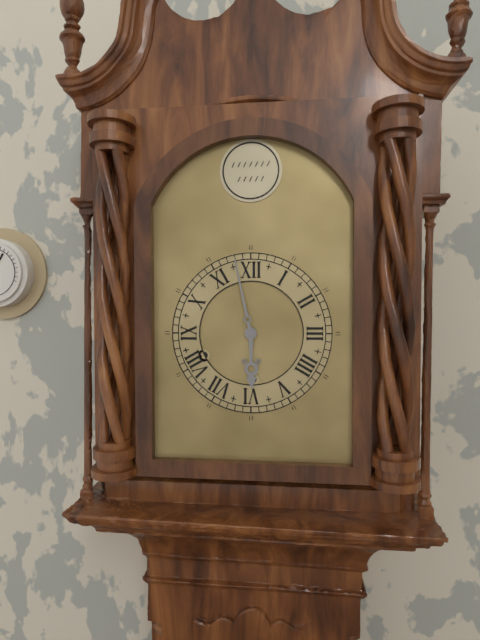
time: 5:58
